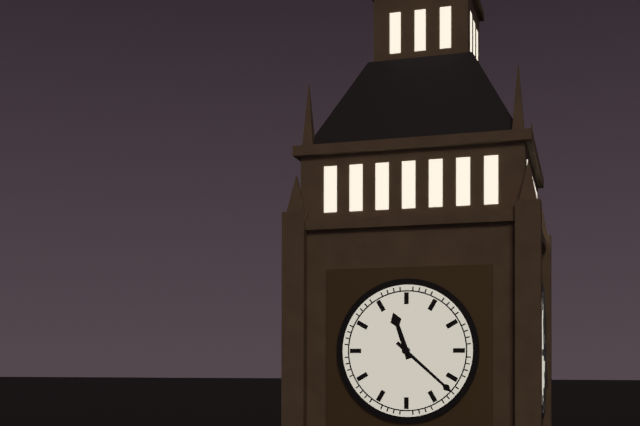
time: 11:22
